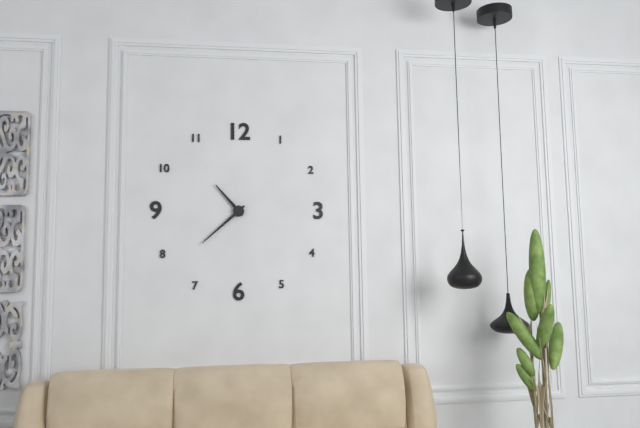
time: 10:38
